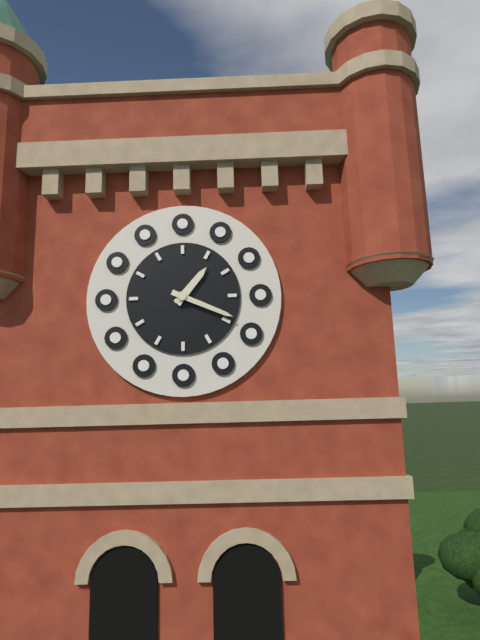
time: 1:19
